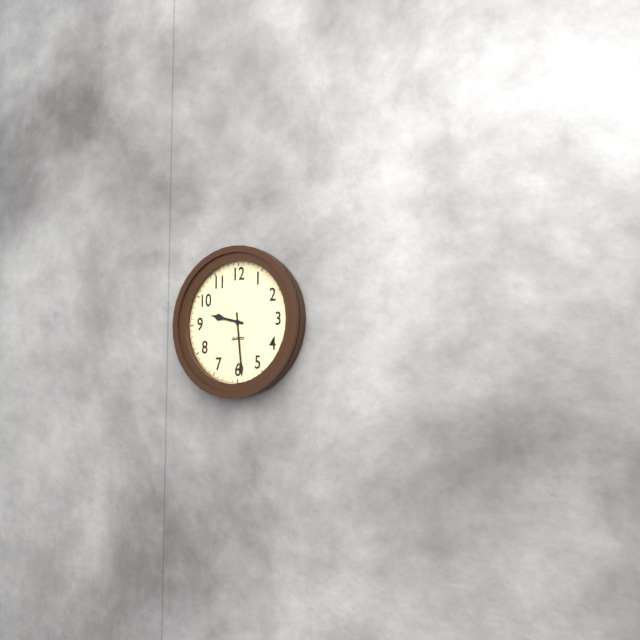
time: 9:29
